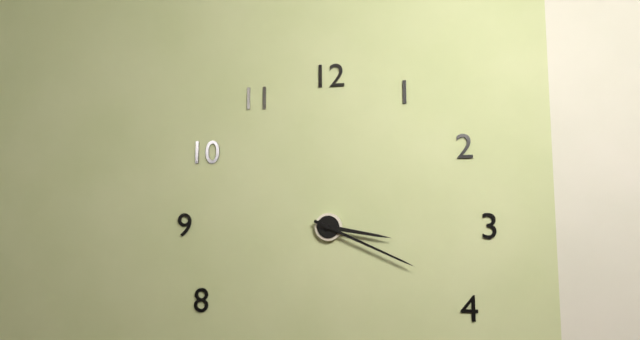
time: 3:19
